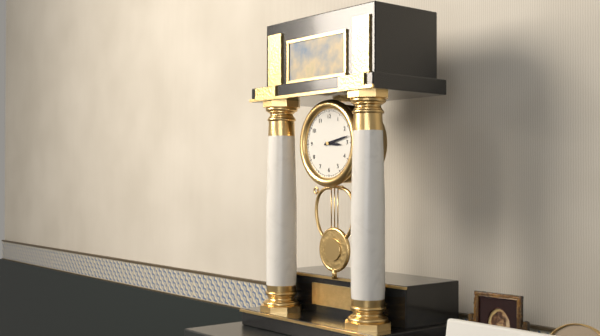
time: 3:13
